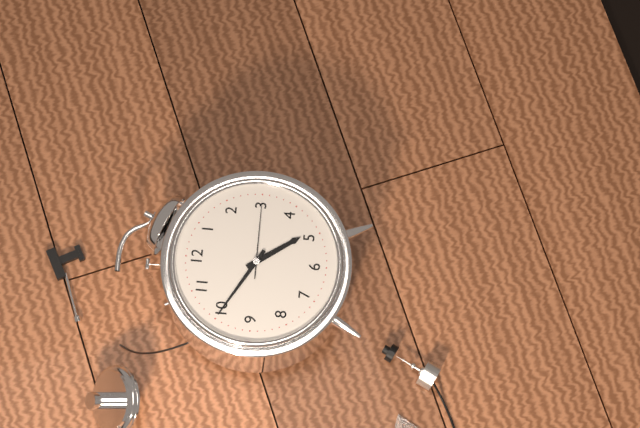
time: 4:50:15
